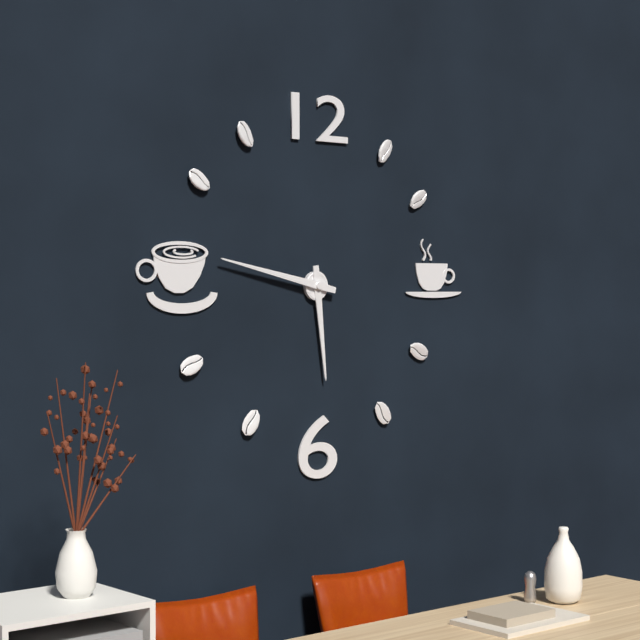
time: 5:47
